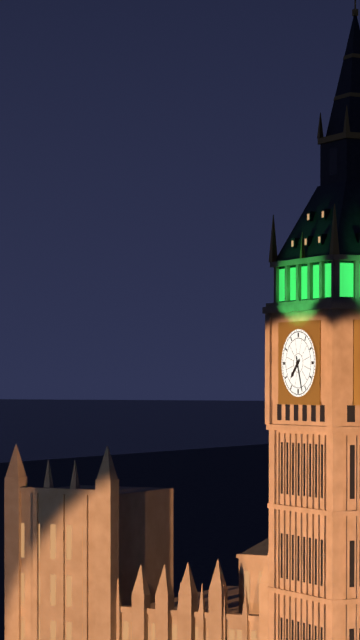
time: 7:27
